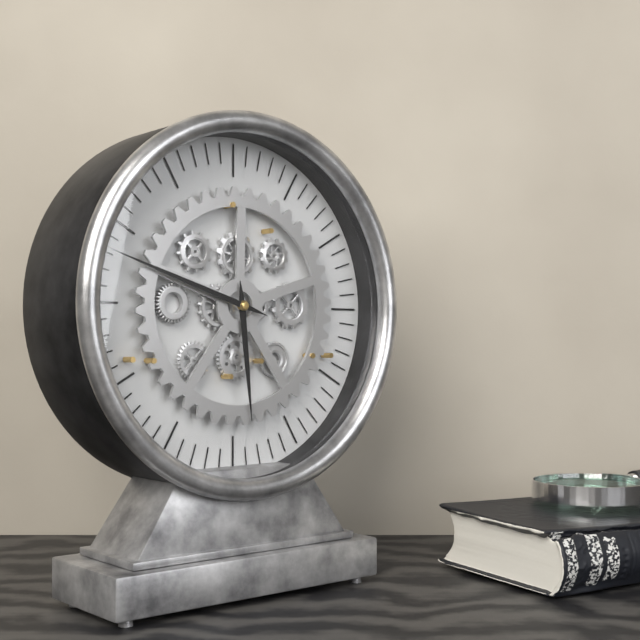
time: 5:48
